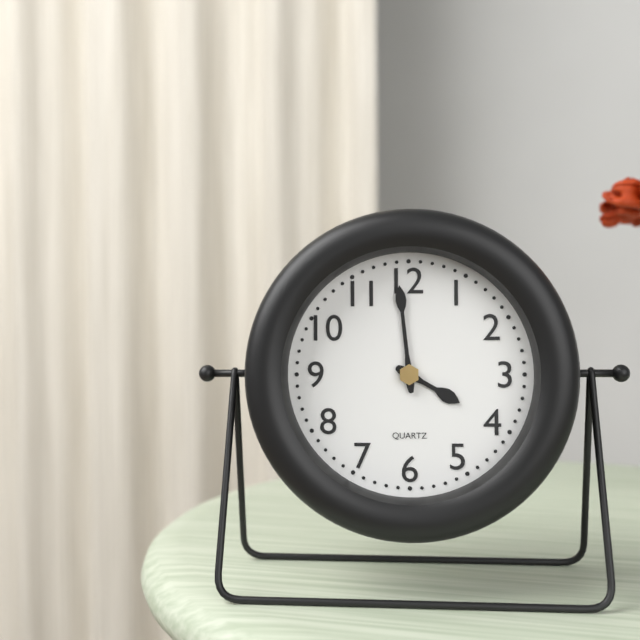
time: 3:59
